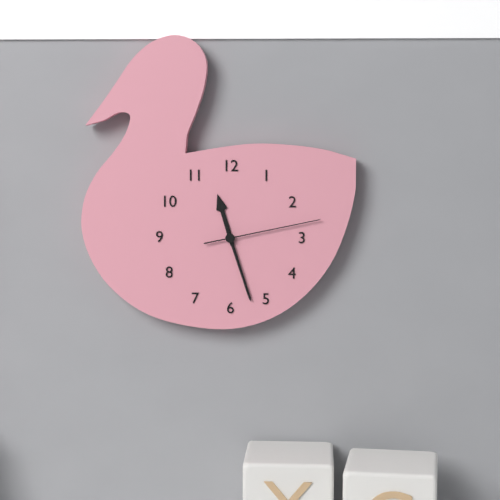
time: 11:27:13
